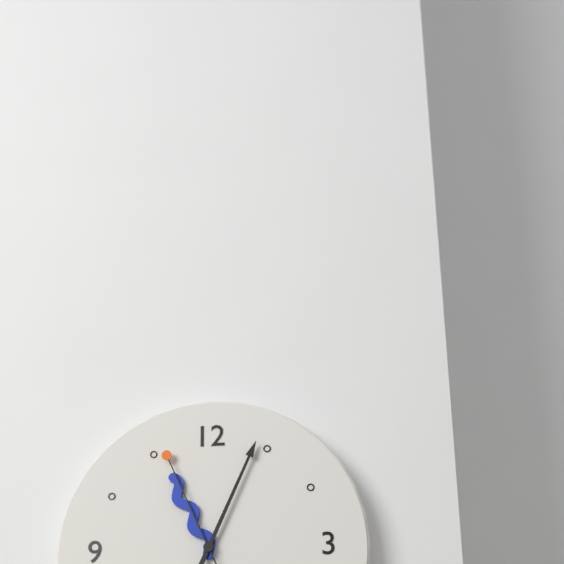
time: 11:04:56
